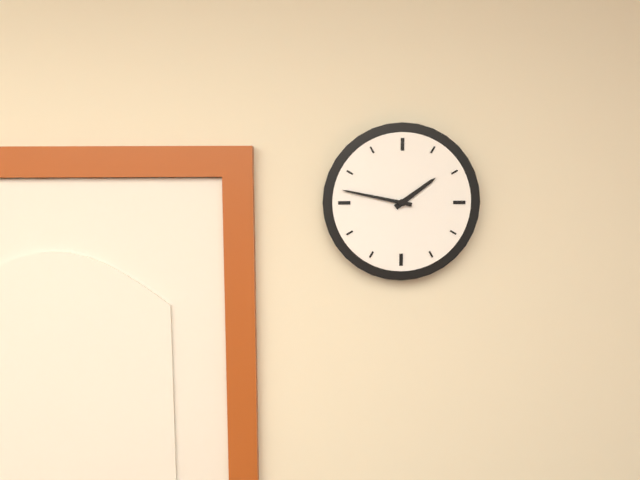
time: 1:47
